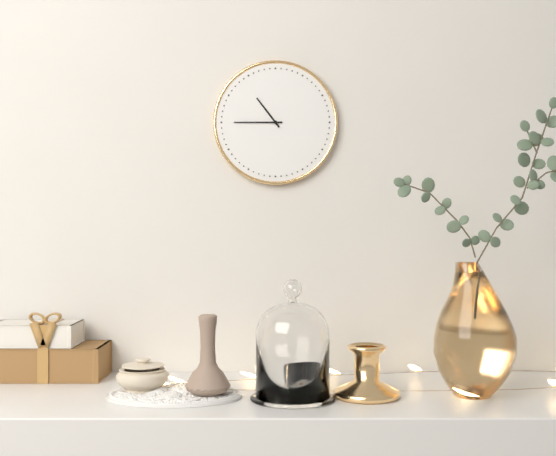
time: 10:45
